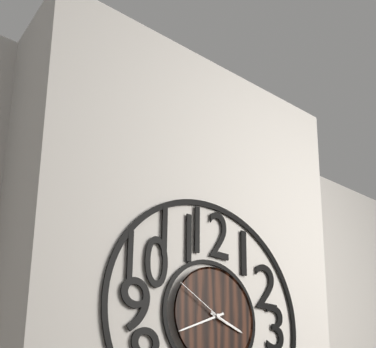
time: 3:41:50
